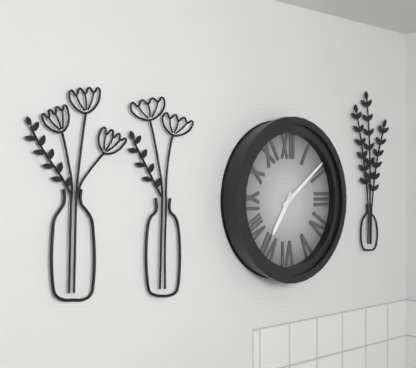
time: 7:09
